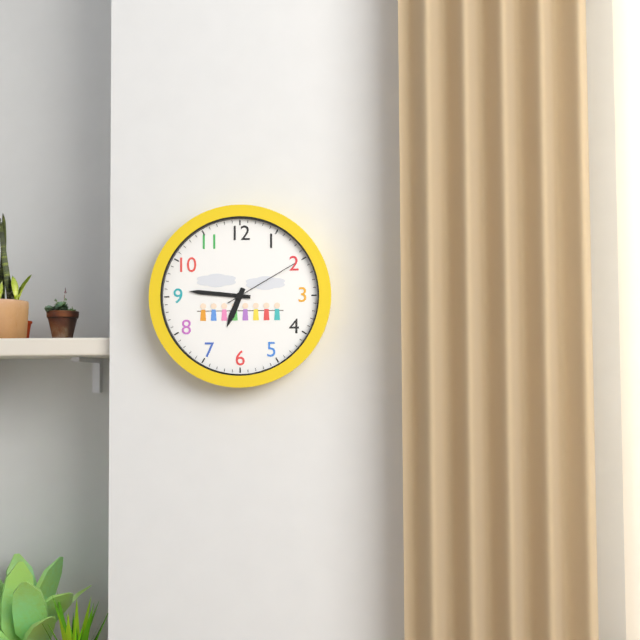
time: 6:46:10
